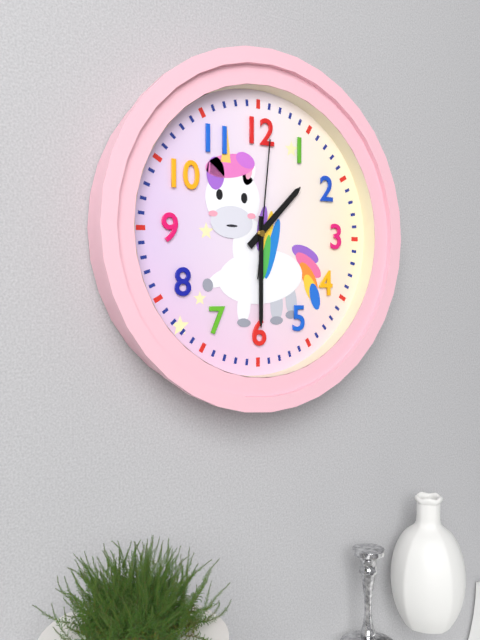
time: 1:30:01
